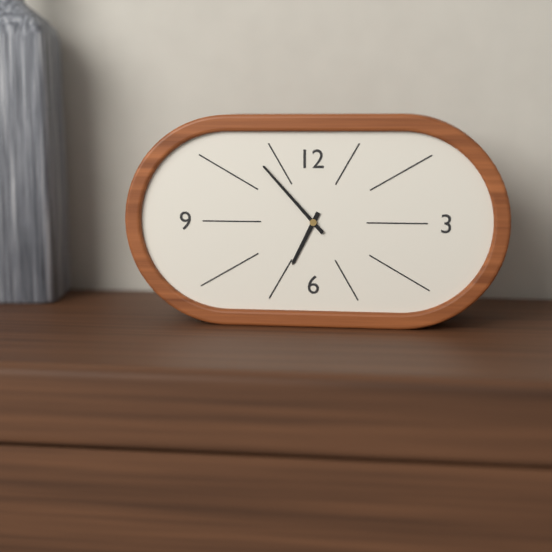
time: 6:53
